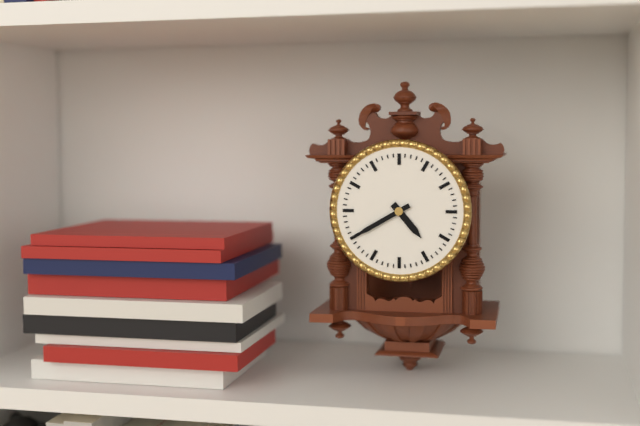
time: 4:40
